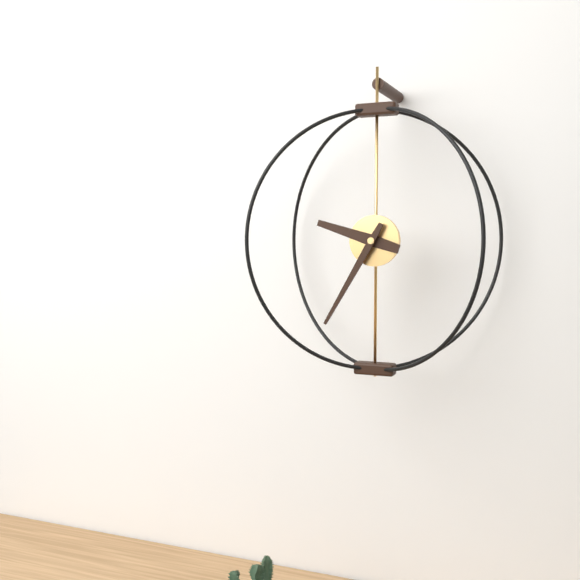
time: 9:35
